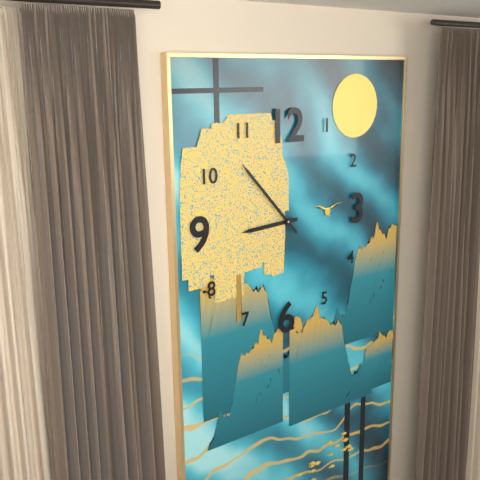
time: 8:53
